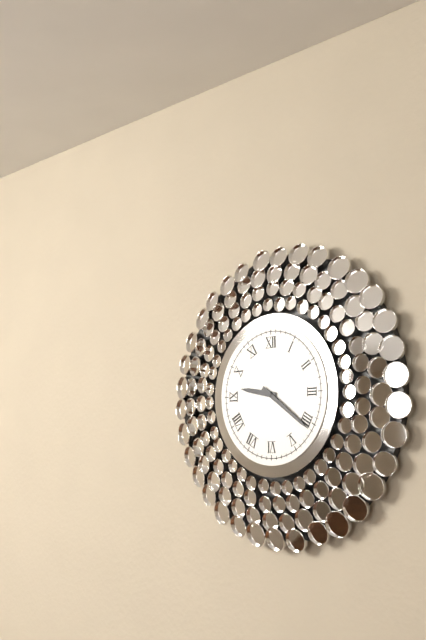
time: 9:21
